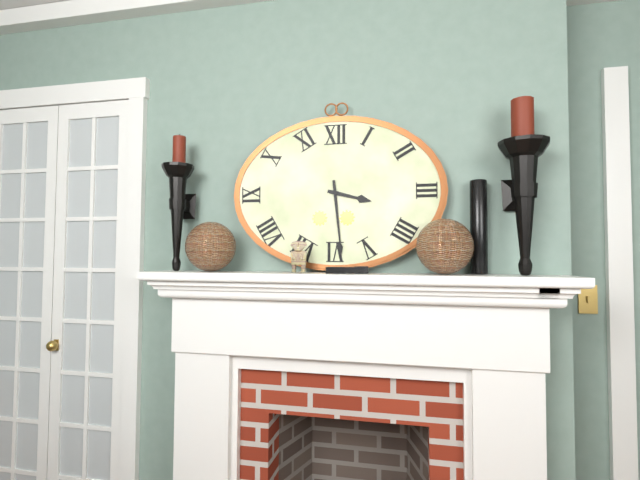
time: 3:29
